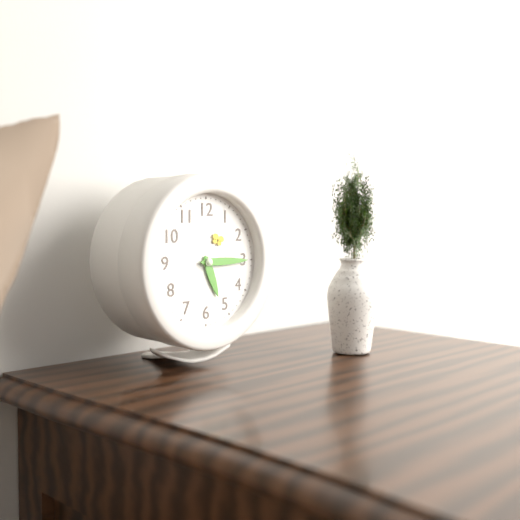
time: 5:15
